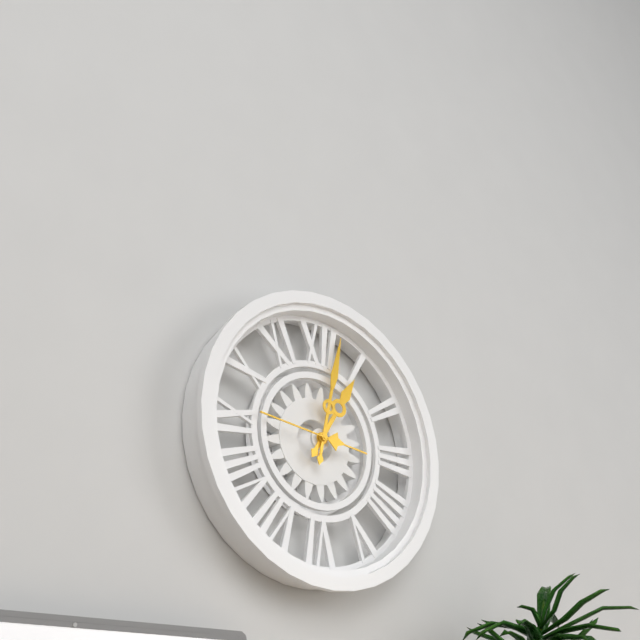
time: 1:02:46
